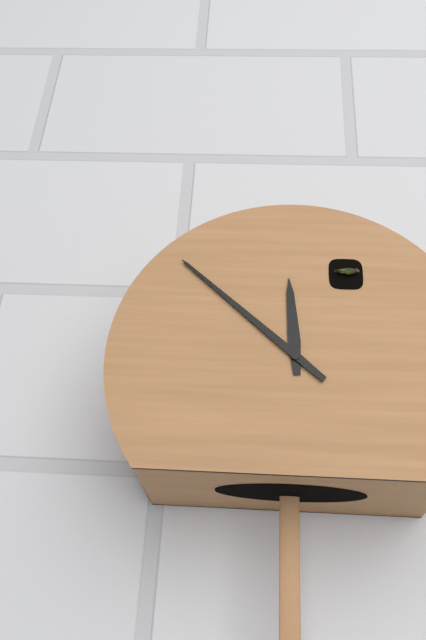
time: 11:52
